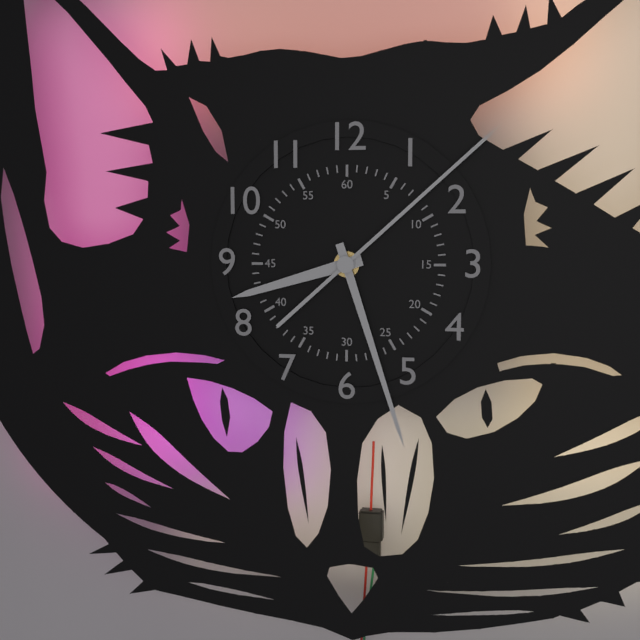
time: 8:27:08
